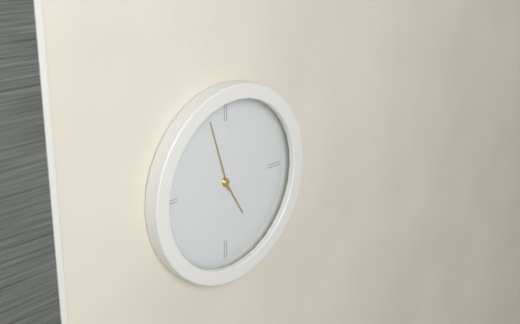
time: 4:57
